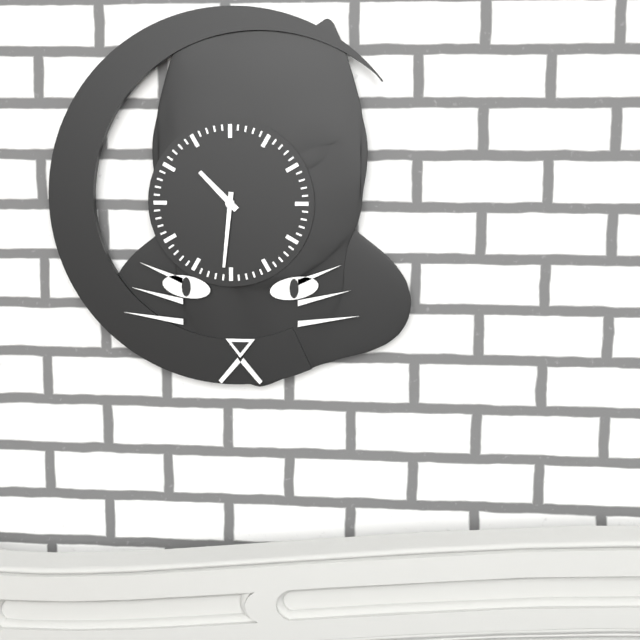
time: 10:31
